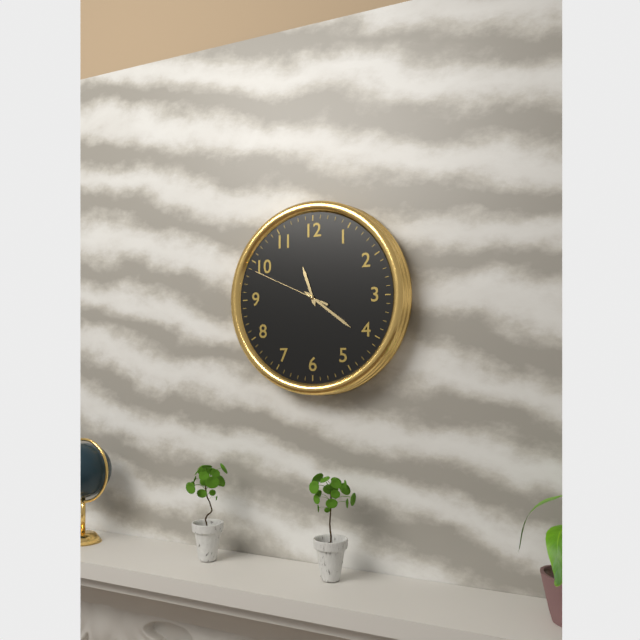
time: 11:21:49
